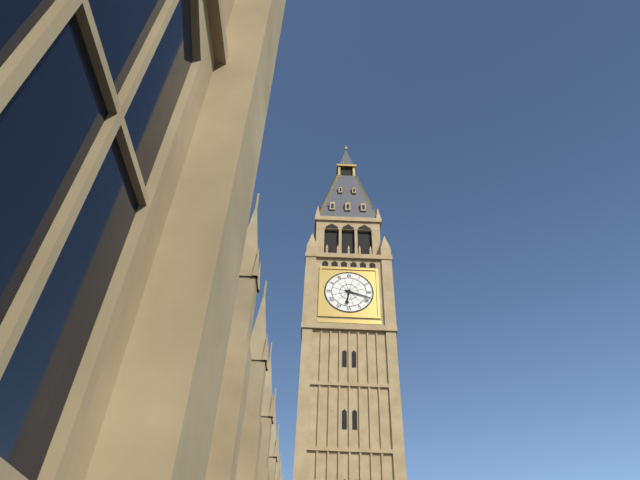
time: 6:18
